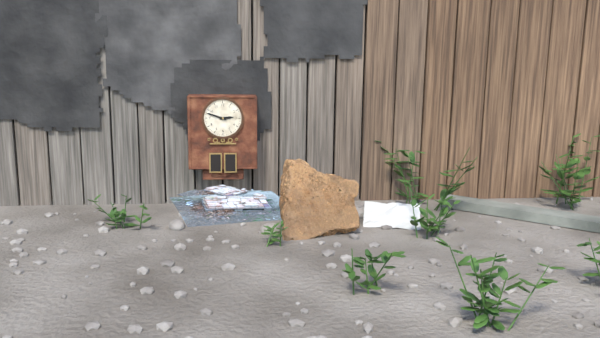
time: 2:48
